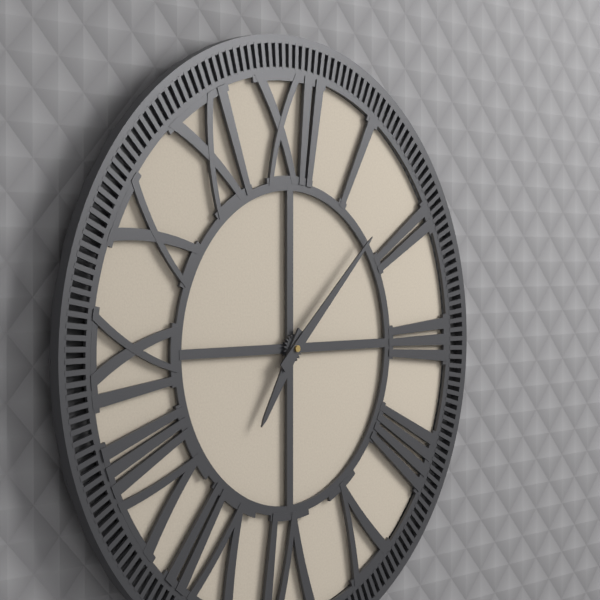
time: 7:08
